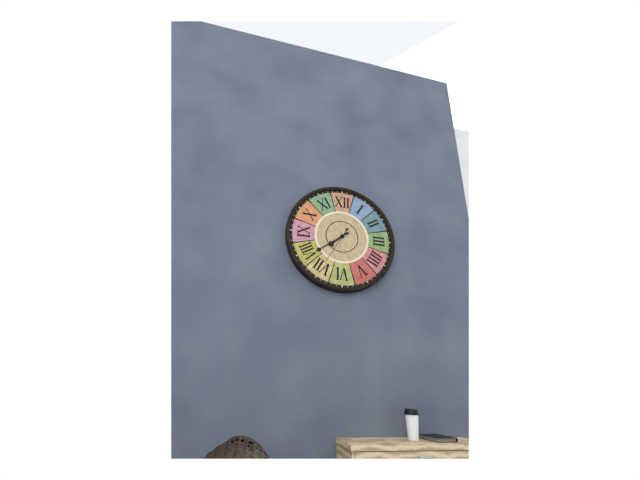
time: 7:39
